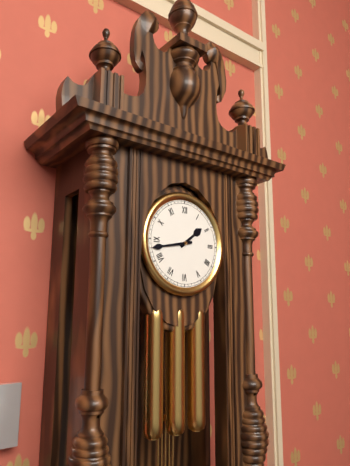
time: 1:43
